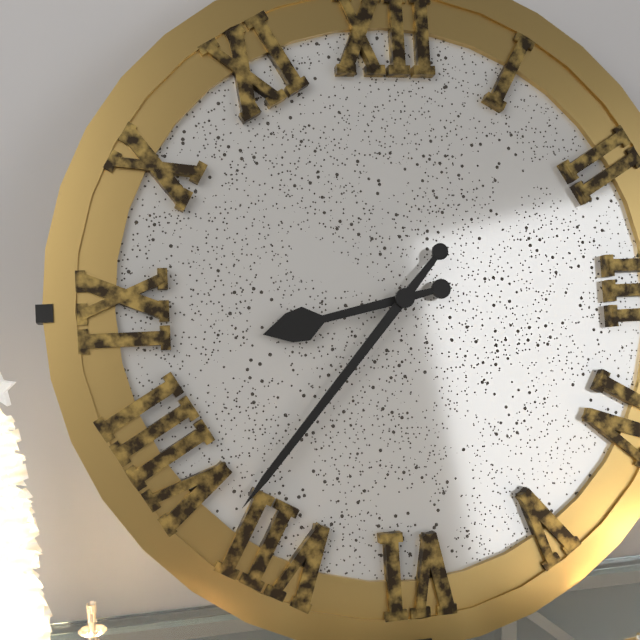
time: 8:37
